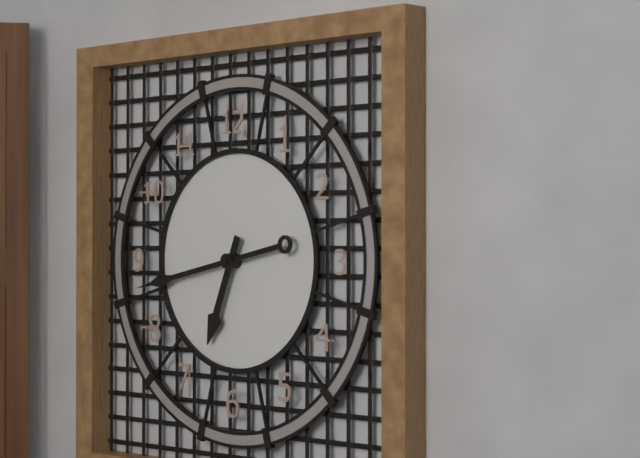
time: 6:43
